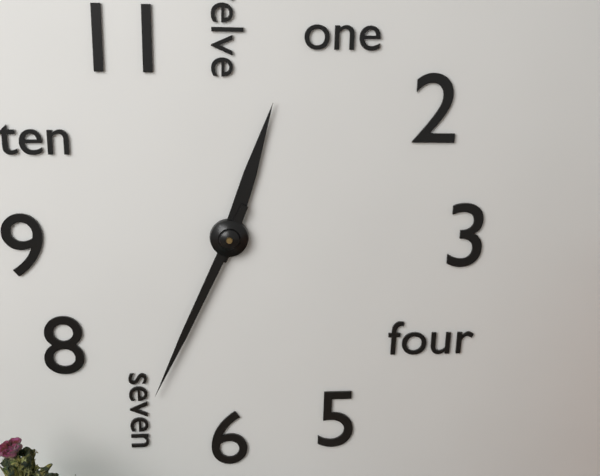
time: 12:34
